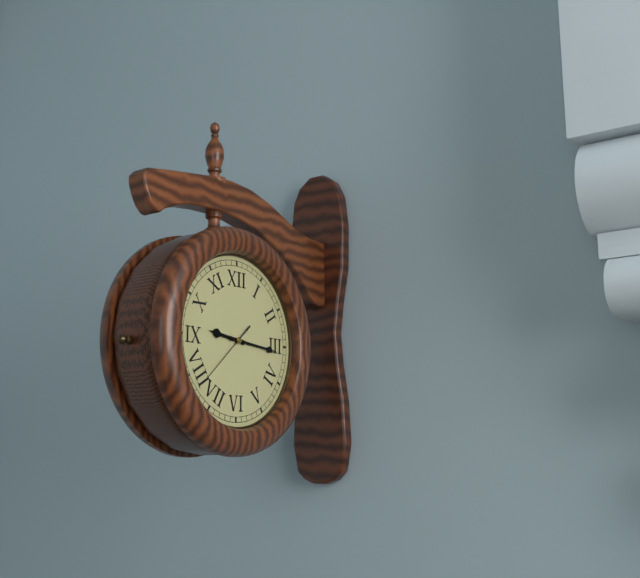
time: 9:16:38
